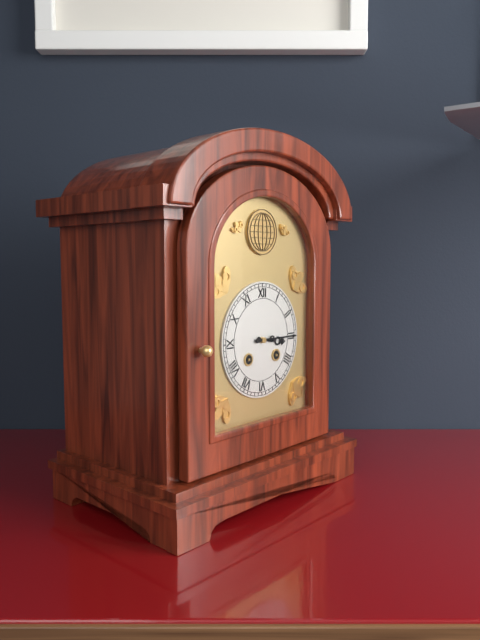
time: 3:15
